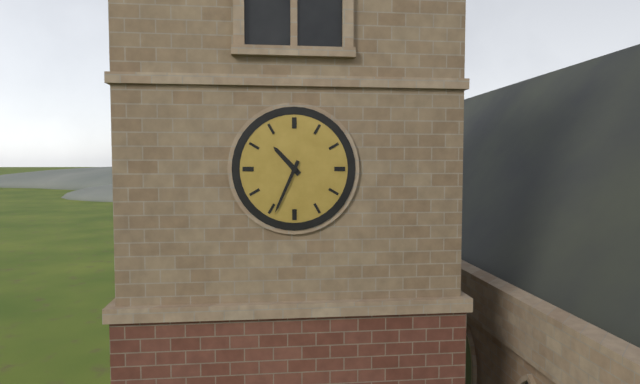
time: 10:34
